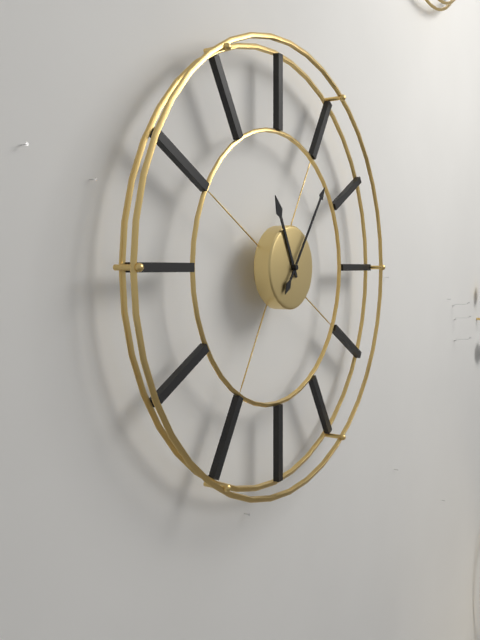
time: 11:06
